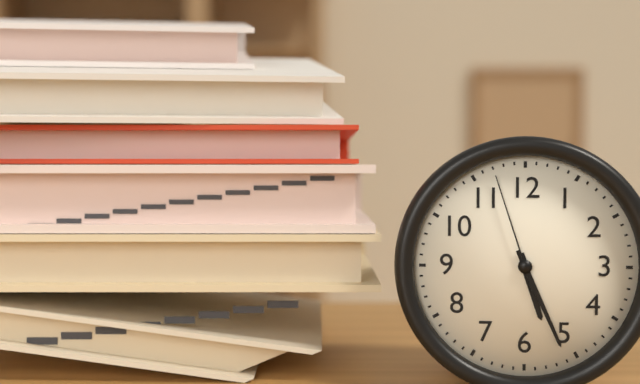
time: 5:26:57
